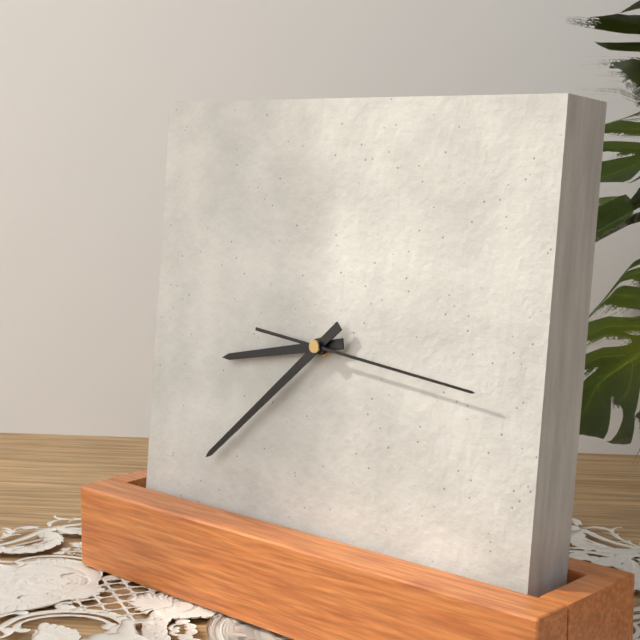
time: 8:38:16
